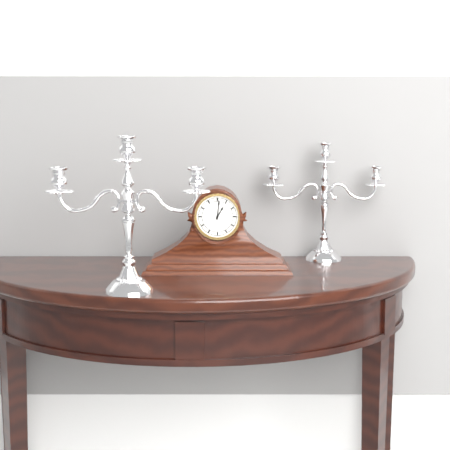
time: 1:01
